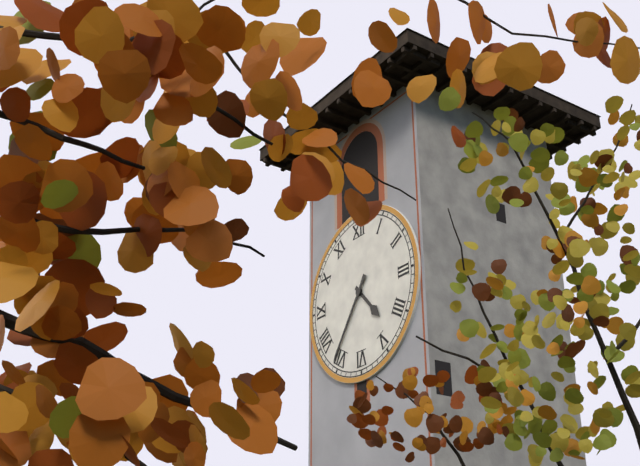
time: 4:36
